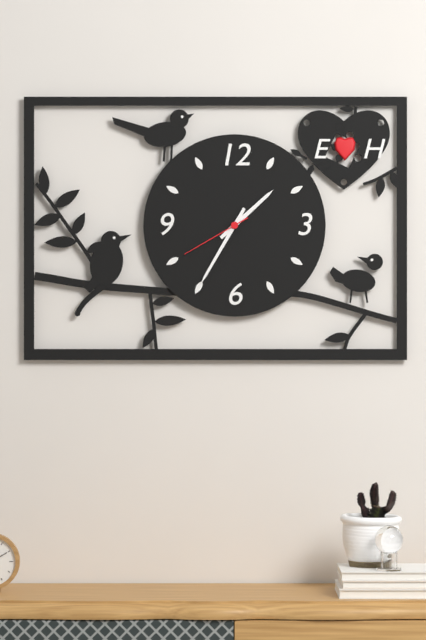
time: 1:35:40
